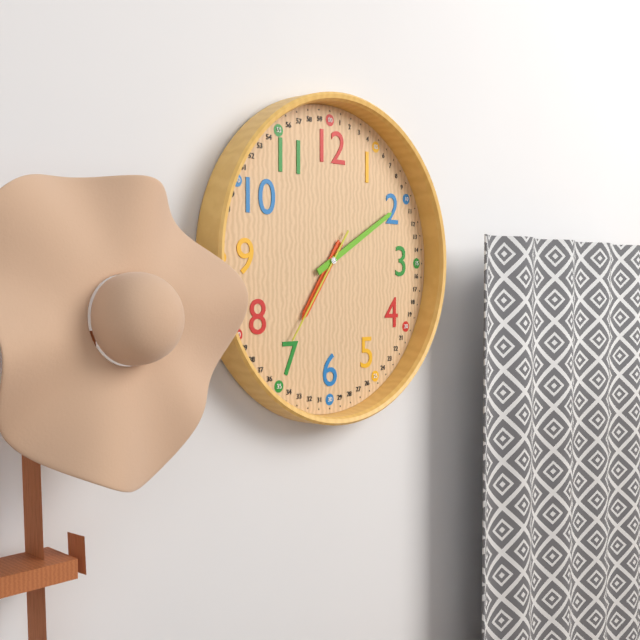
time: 7:10:36
